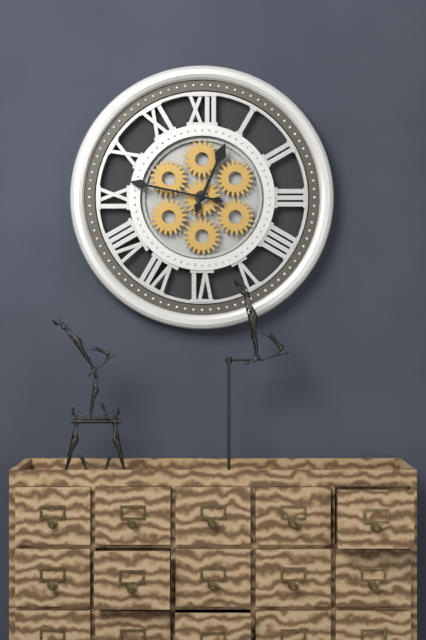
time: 12:47
